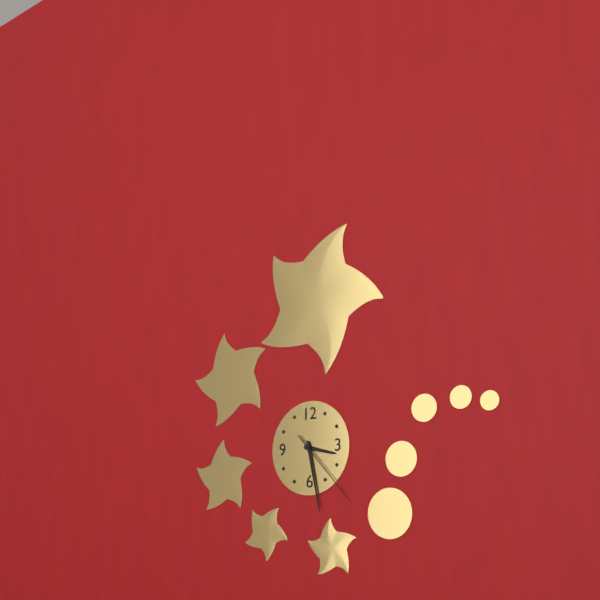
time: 3:28:23
